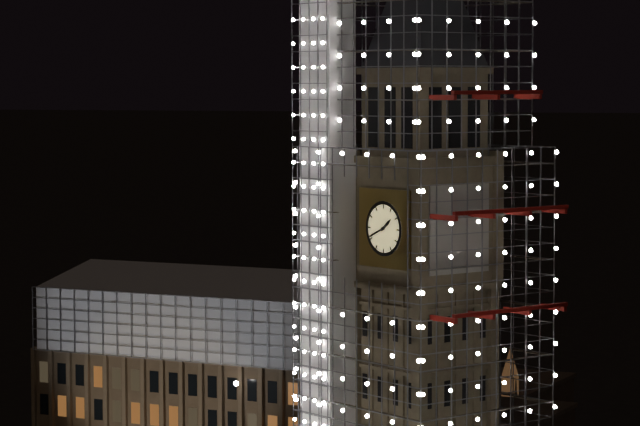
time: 1:41
